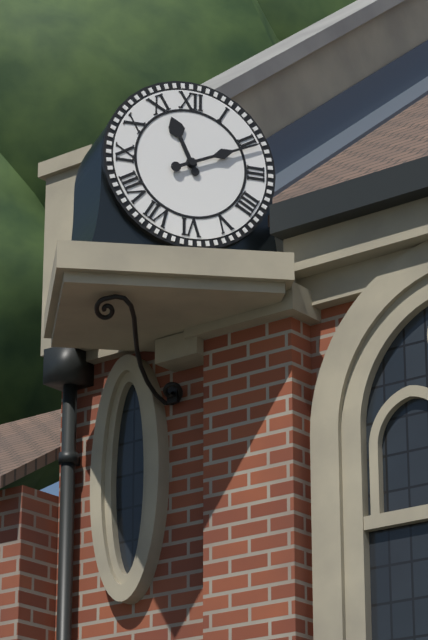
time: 11:11
